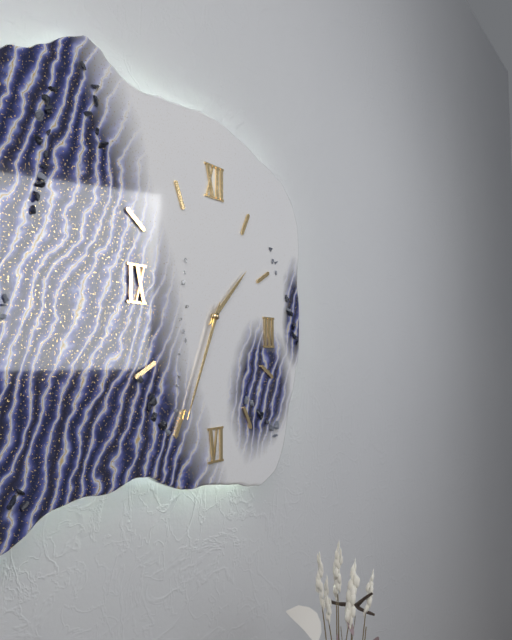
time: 1:34
